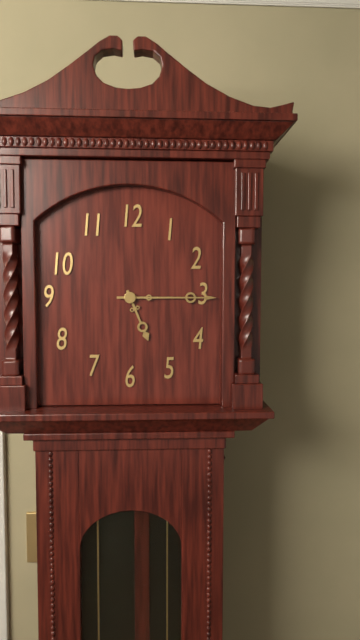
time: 5:15
